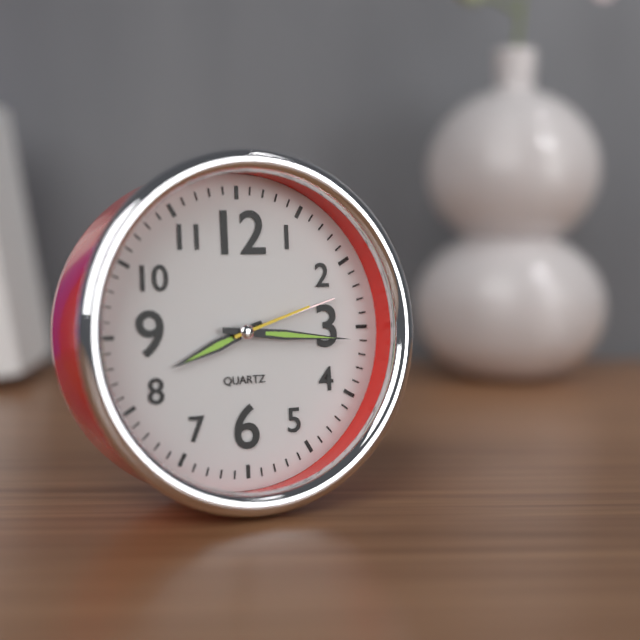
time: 8:16:12
